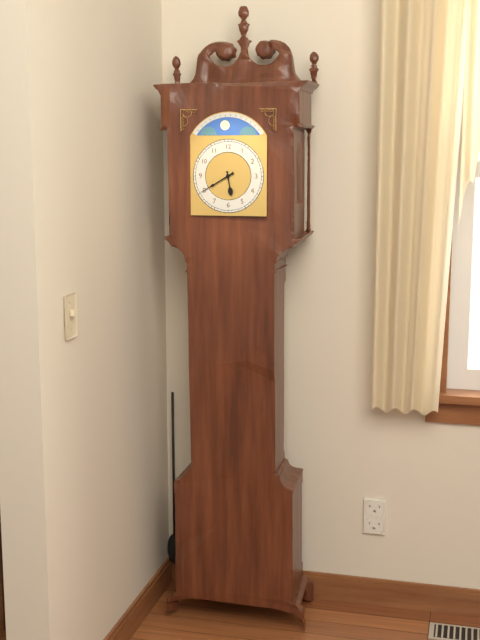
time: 5:40
